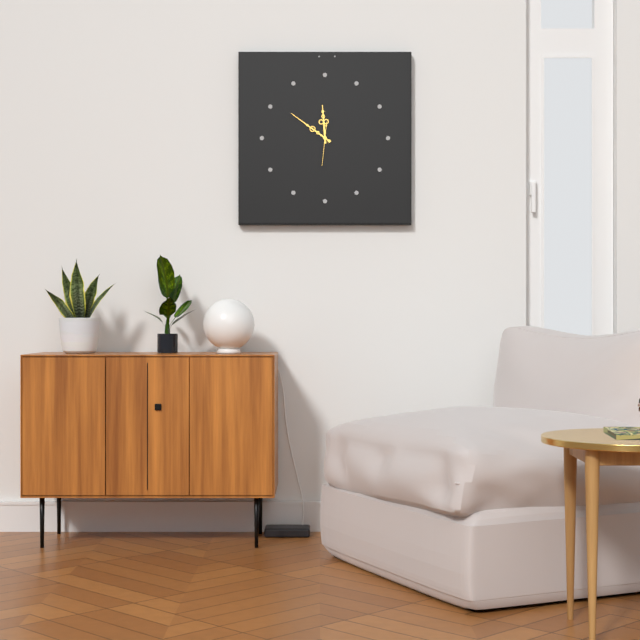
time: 11:51
